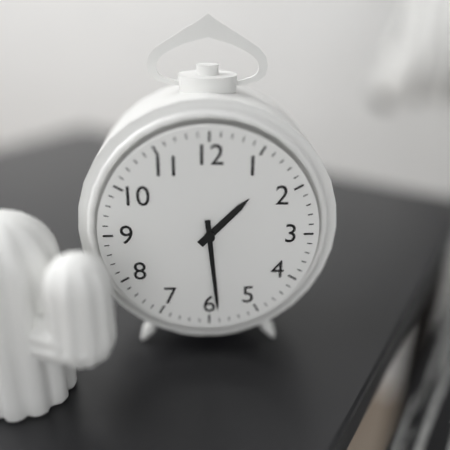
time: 1:29
